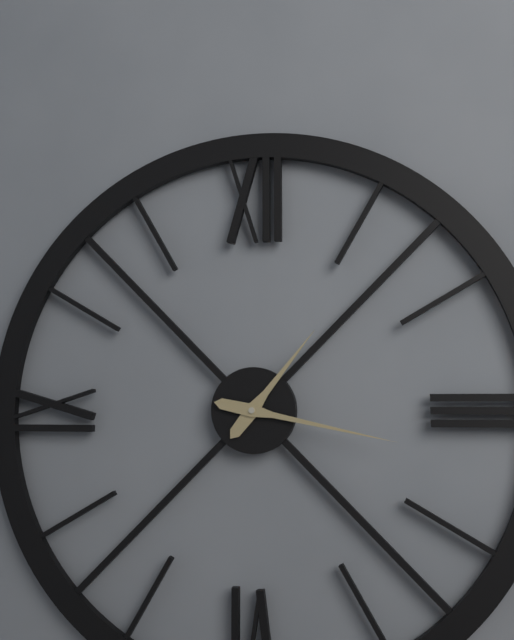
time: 1:17
